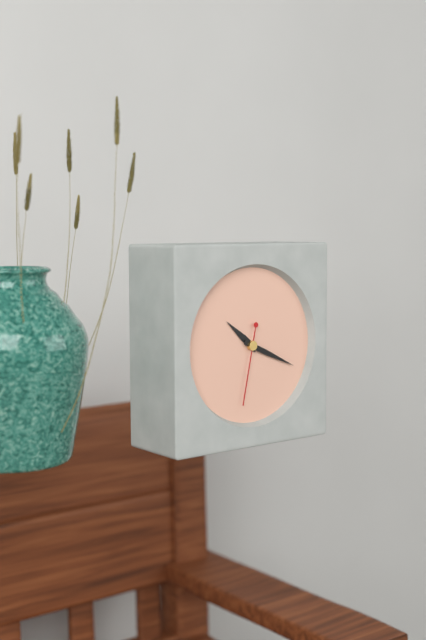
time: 10:19:32
